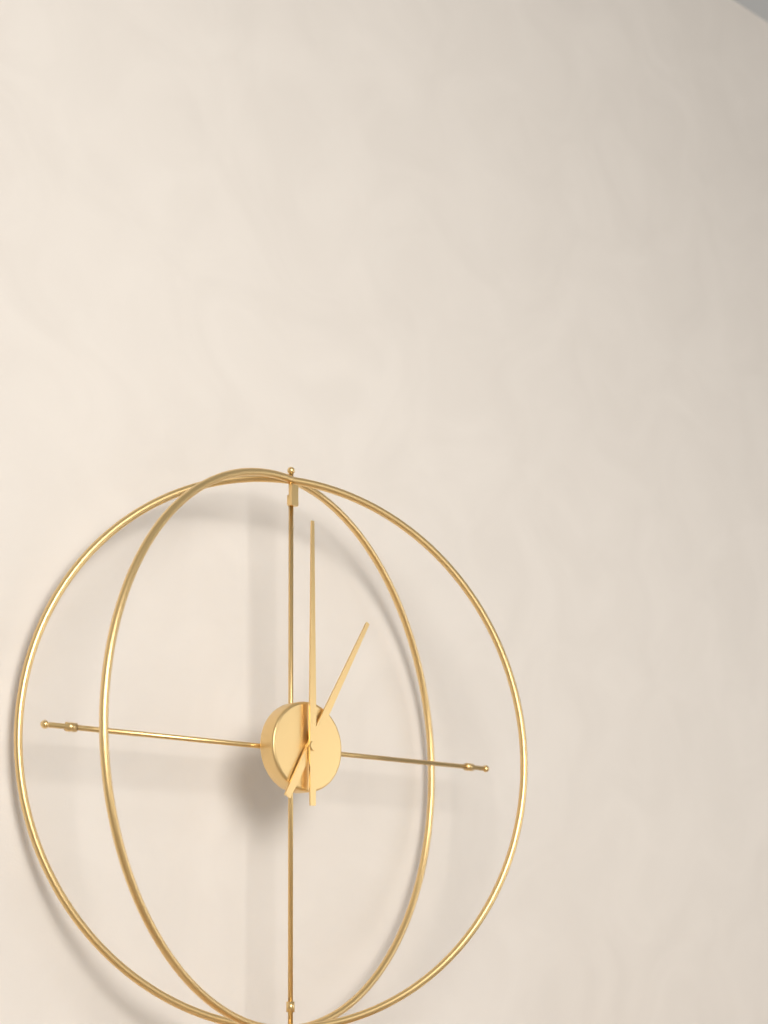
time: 1:00
